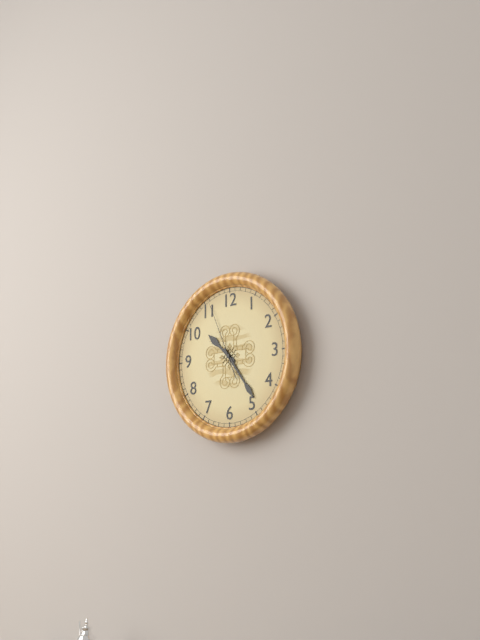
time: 10:24:56
